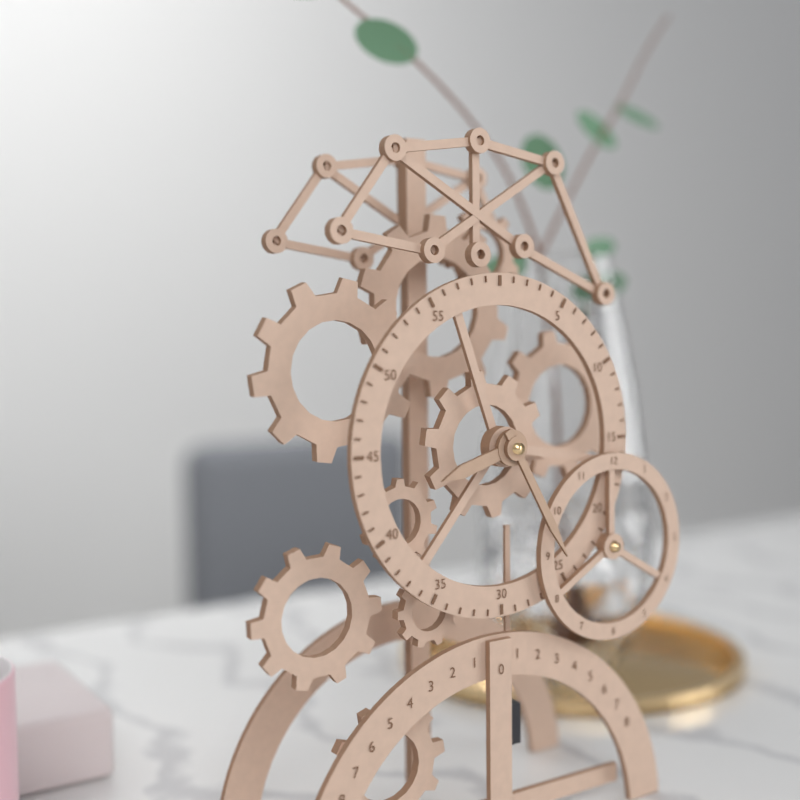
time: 8:25
